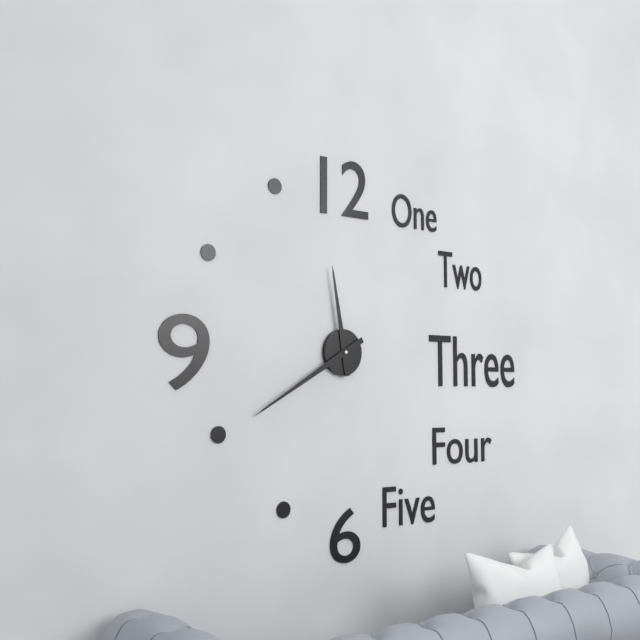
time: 11:40
